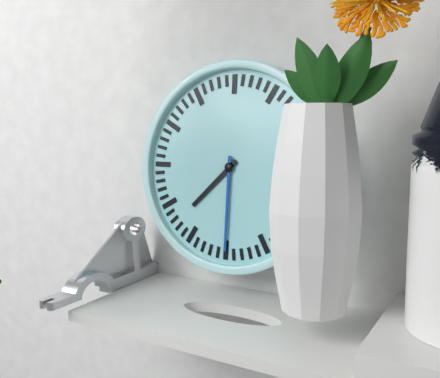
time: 7:30
